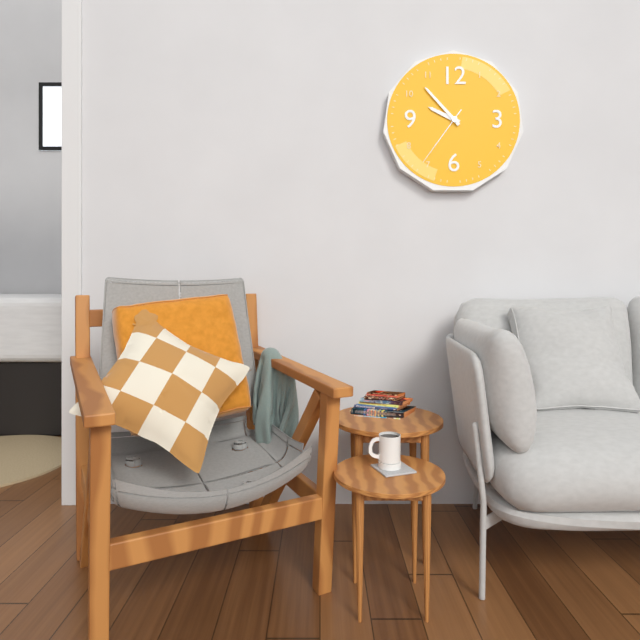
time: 9:53:36
